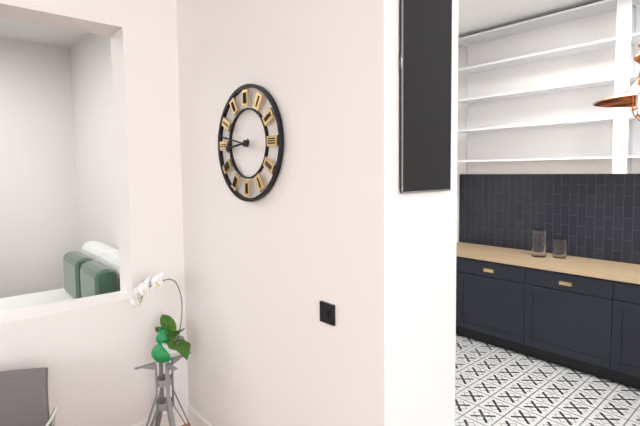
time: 8:47
